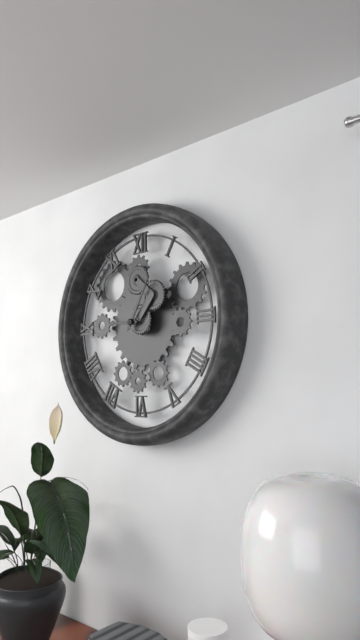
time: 9:05
